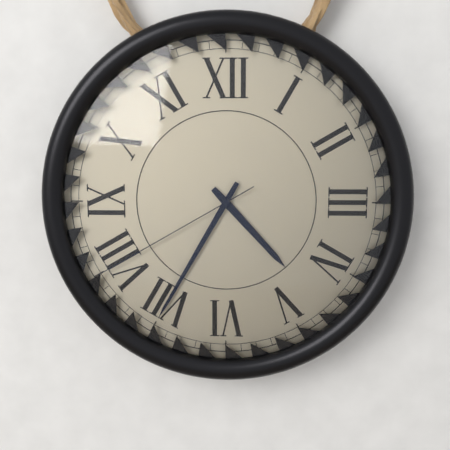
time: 4:35:40
